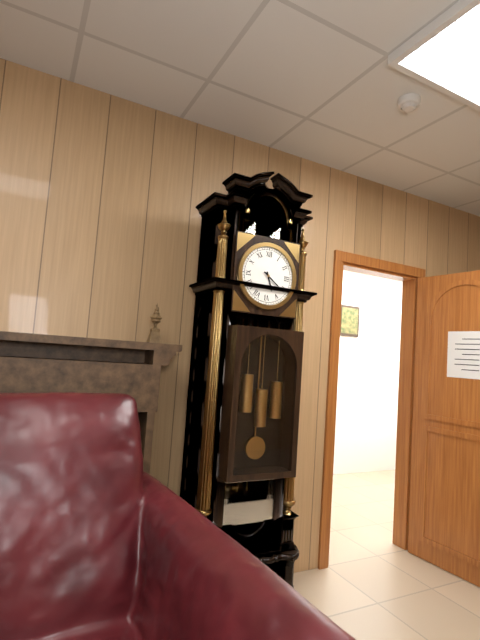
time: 5:21
